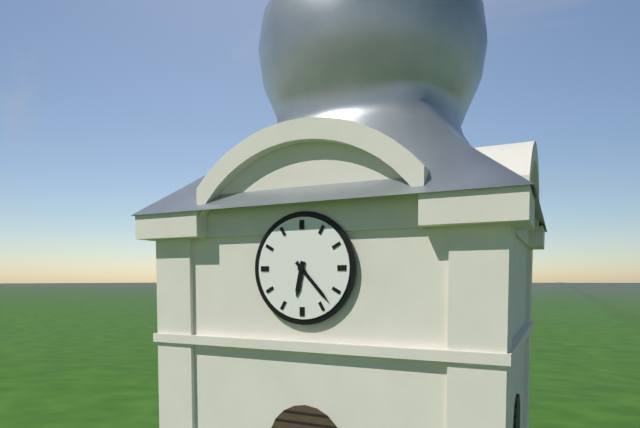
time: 6:23
